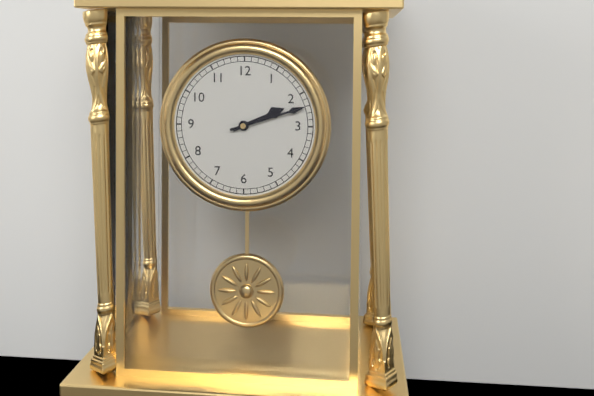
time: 2:12
